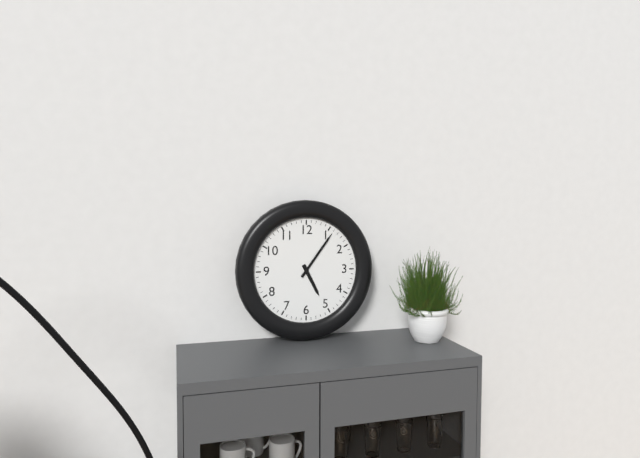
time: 5:06
